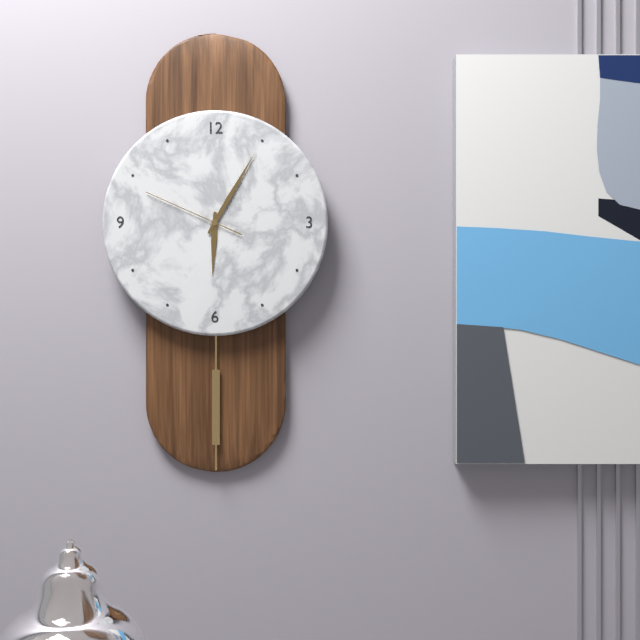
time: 6:05:49
